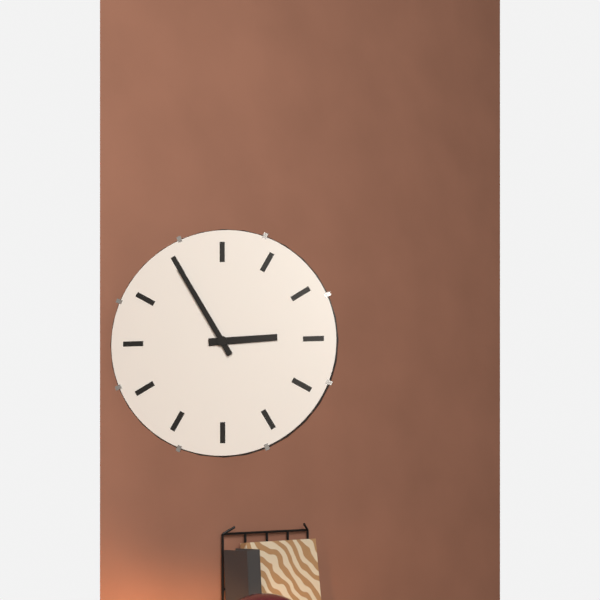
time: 2:55
